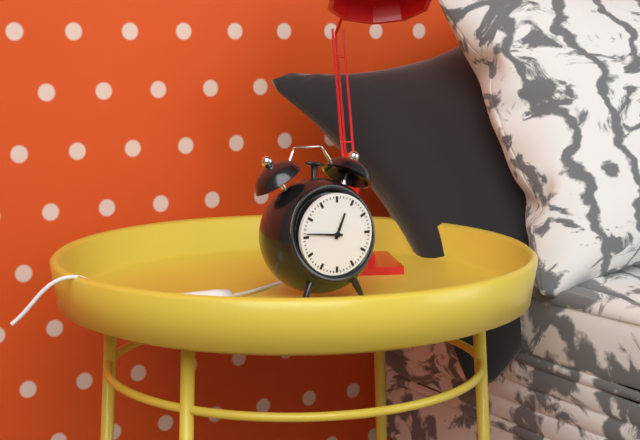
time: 12:46
